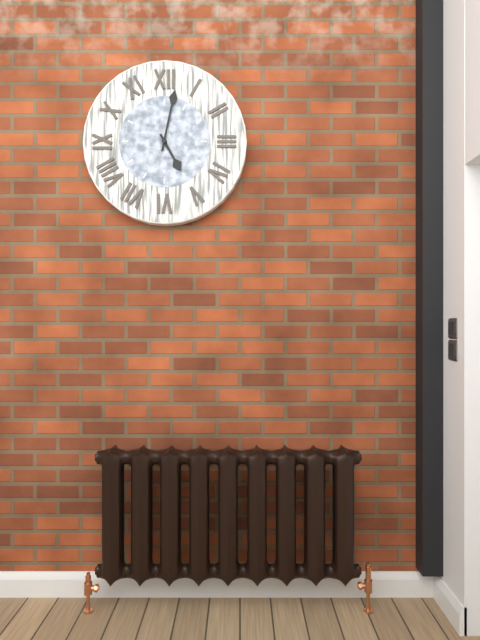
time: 5:02
